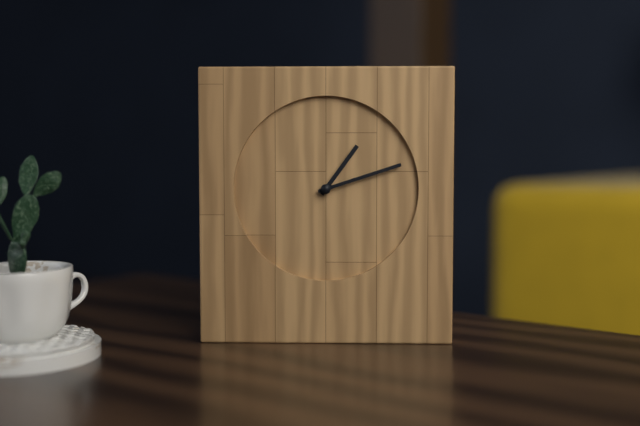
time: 1:12
